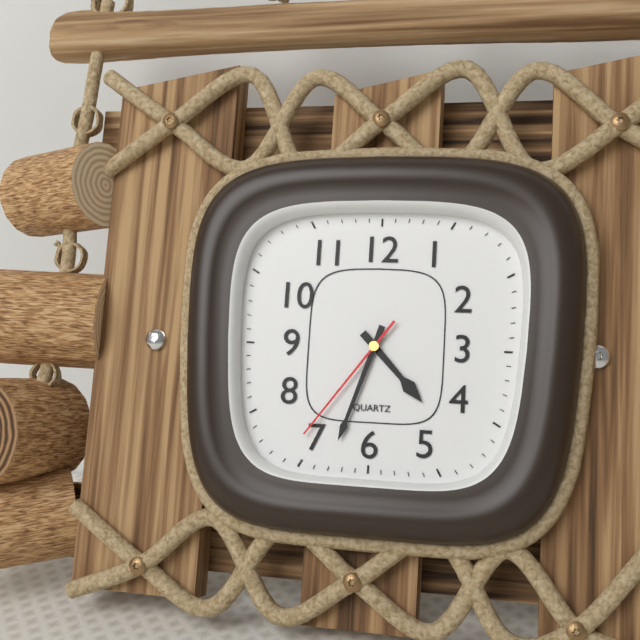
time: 4:33:36
